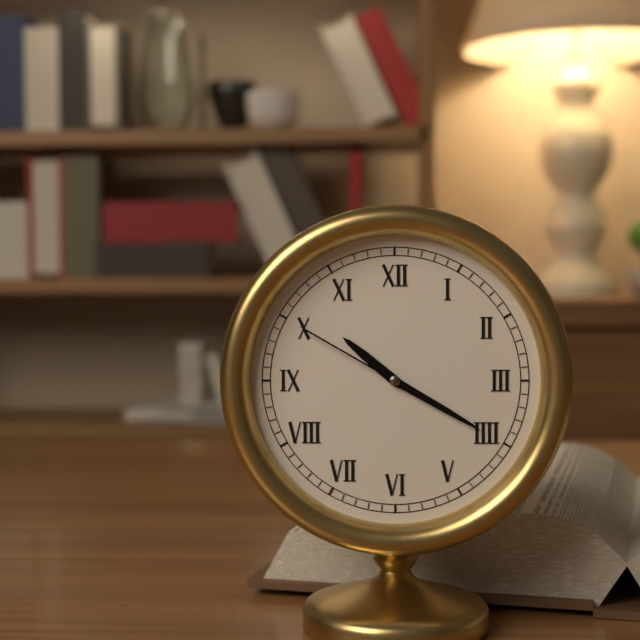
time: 10:20:50
